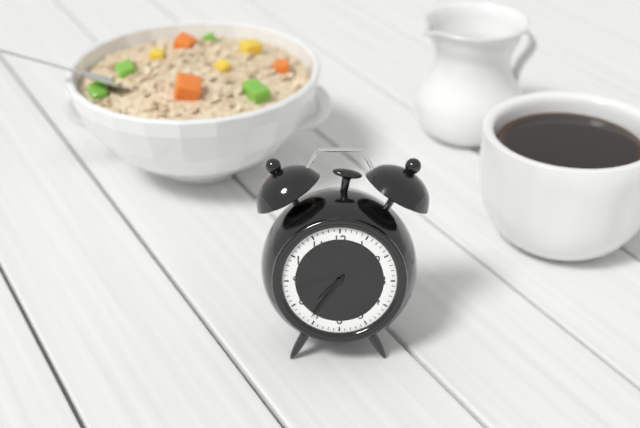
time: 7:36
